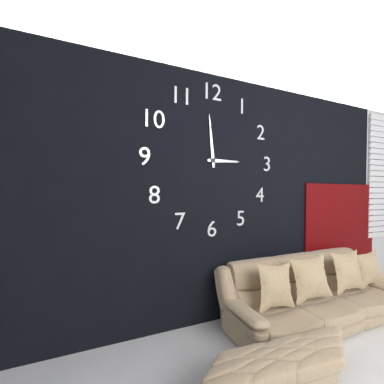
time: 2:59
